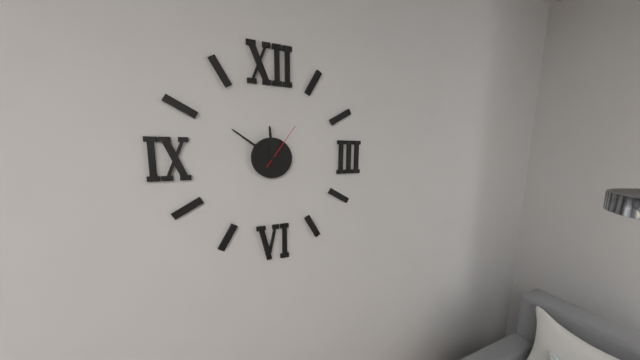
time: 11:51
